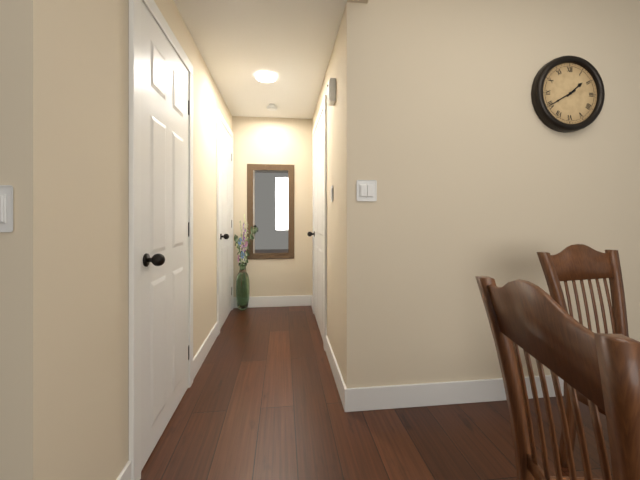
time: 1:40
